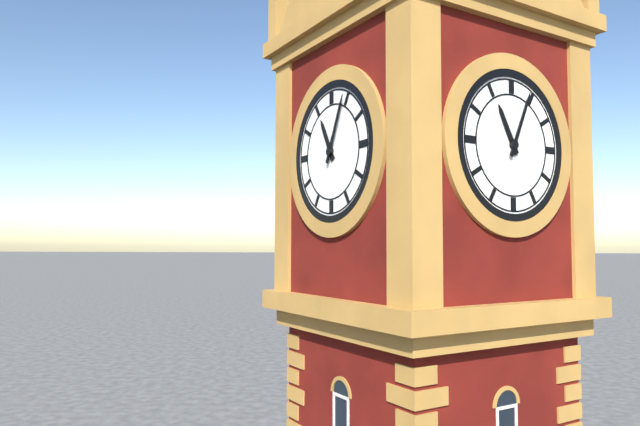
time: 11:04
